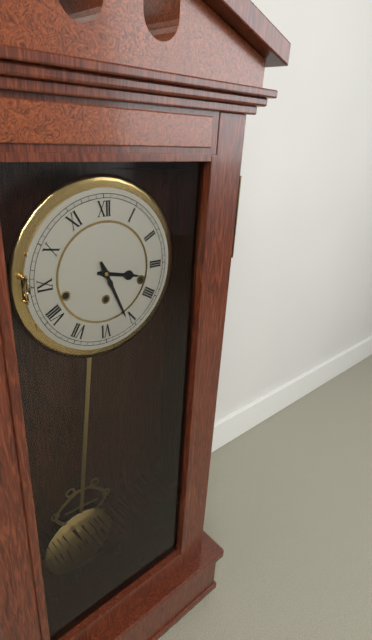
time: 3:26
